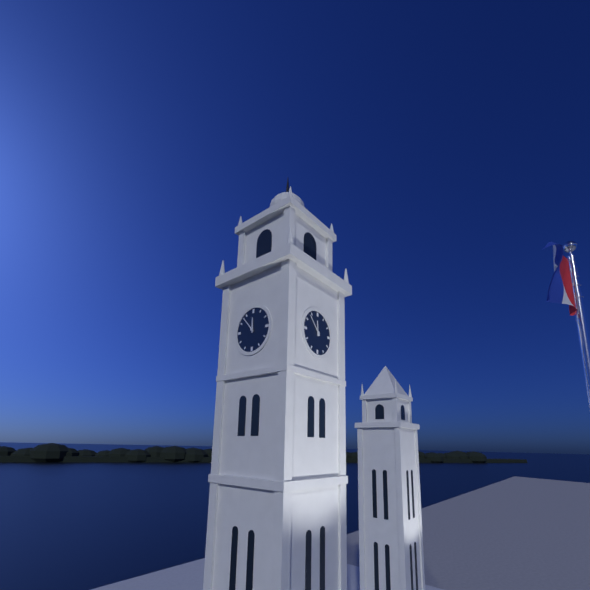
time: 11:53
